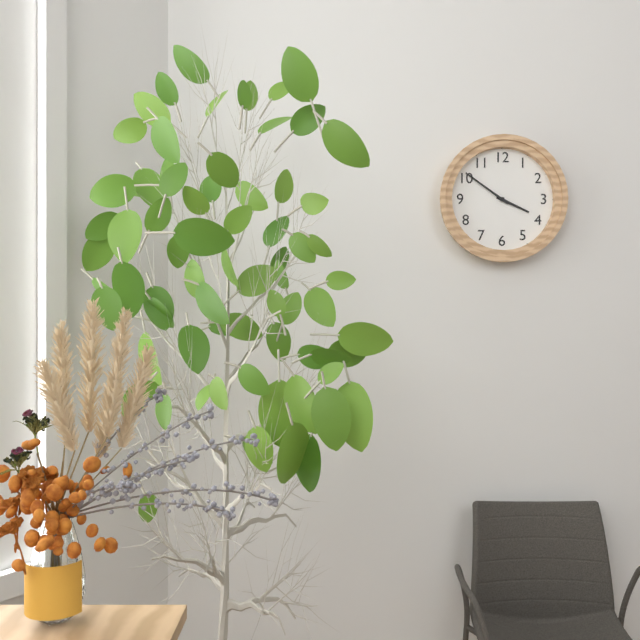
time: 3:51
